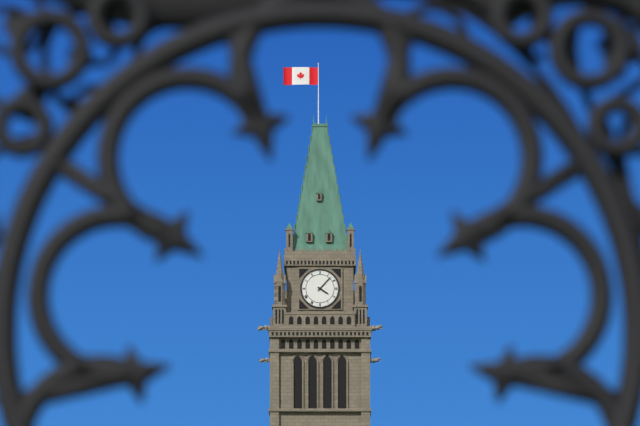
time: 4:07
